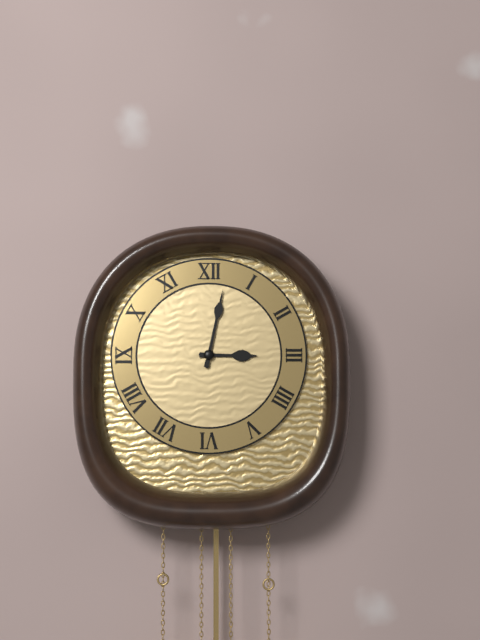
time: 3:02
